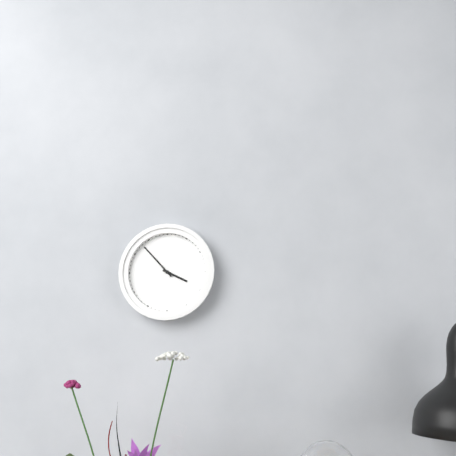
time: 3:53
